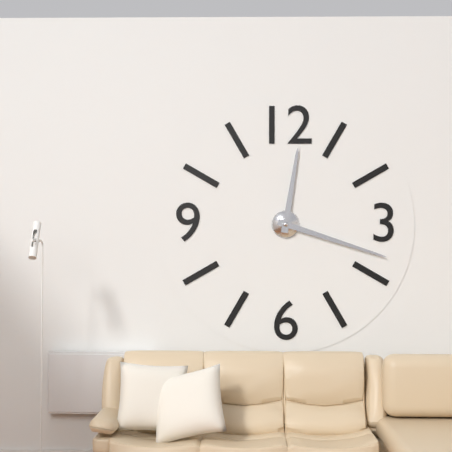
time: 12:18
